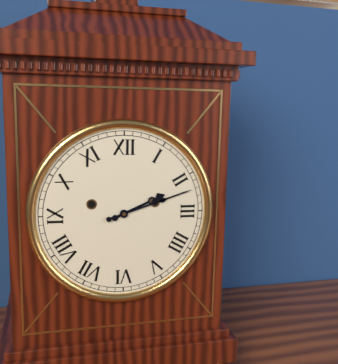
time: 2:12
